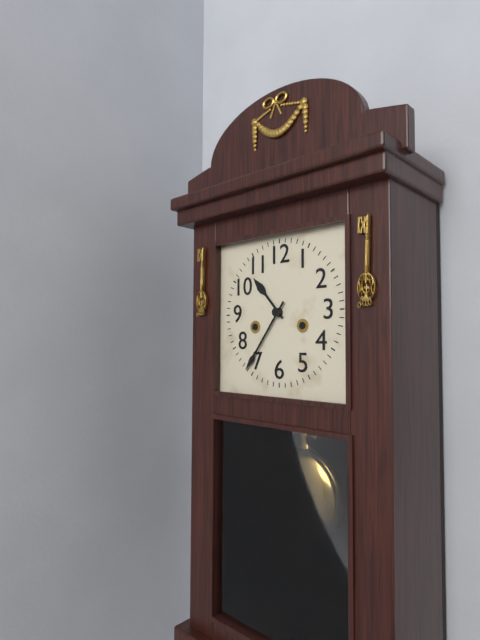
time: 10:36
